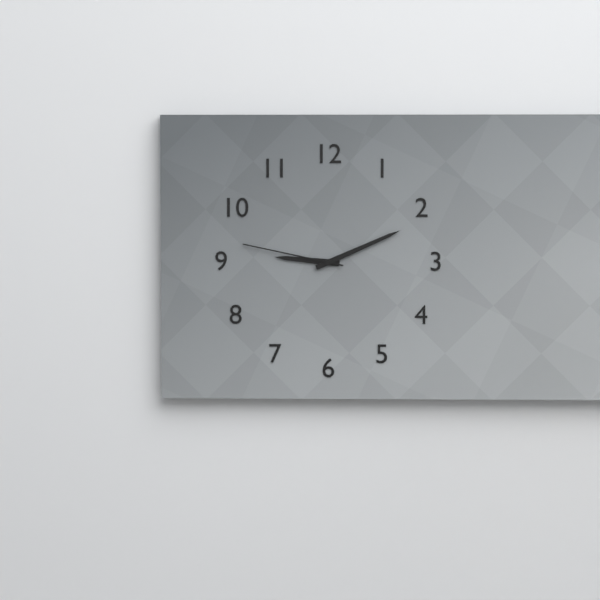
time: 9:11:47
